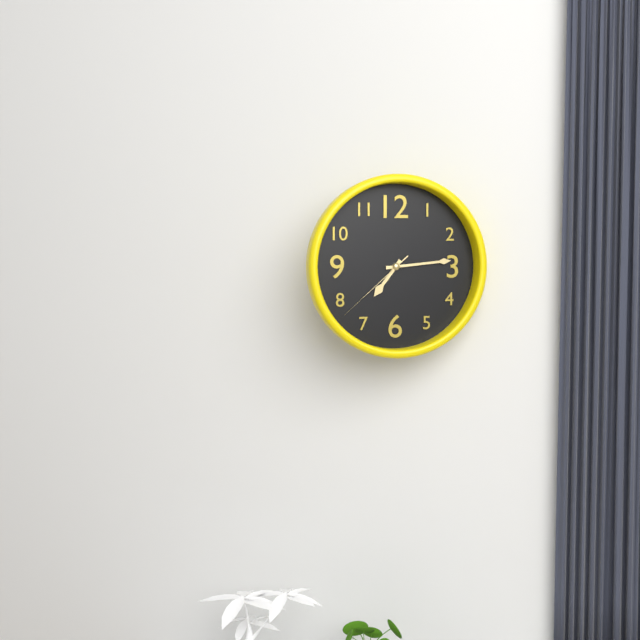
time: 7:14:38
